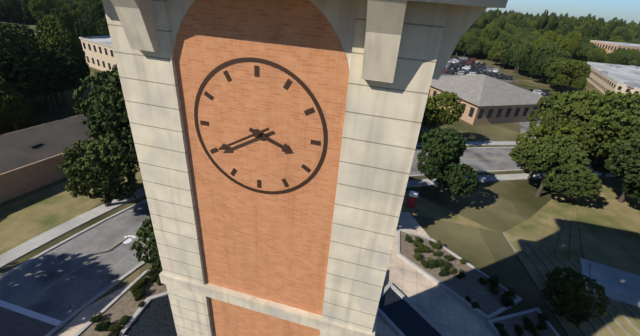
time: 3:40
